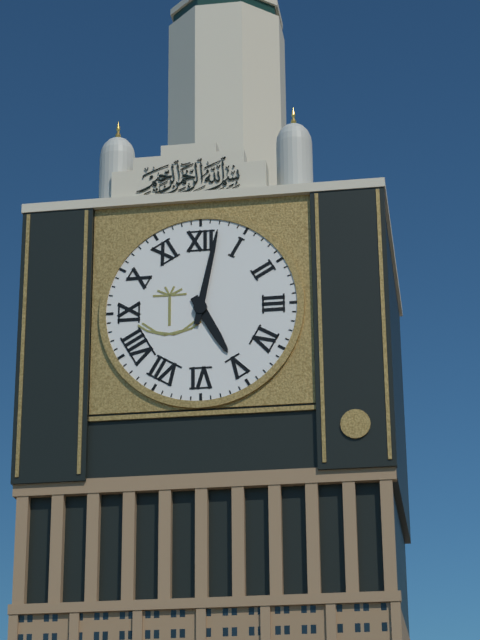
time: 5:02
